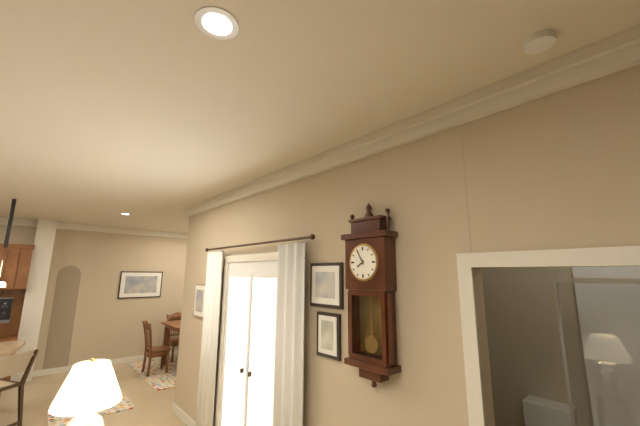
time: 7:55
